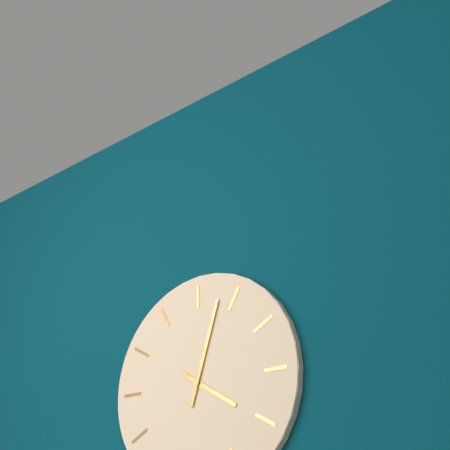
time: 4:03
